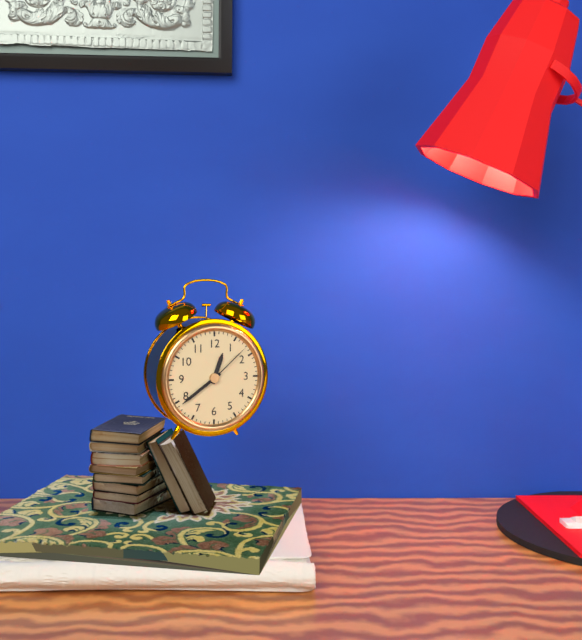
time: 12:39:08
